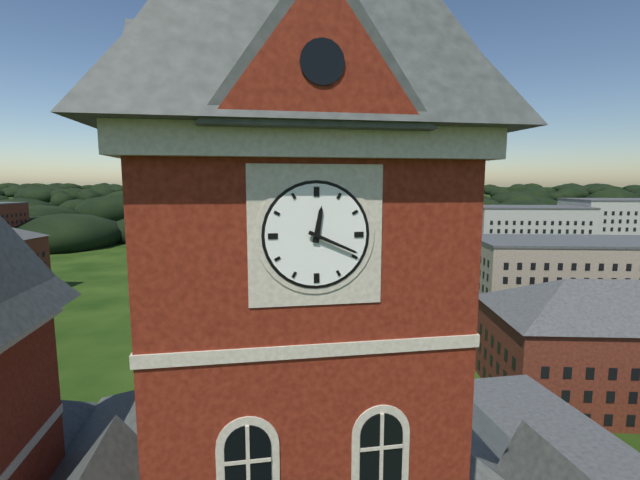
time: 12:19
